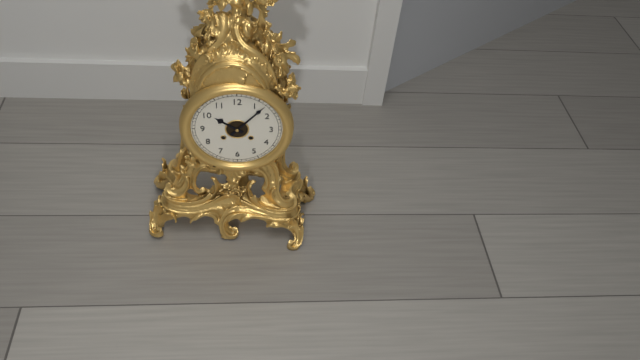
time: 10:07
